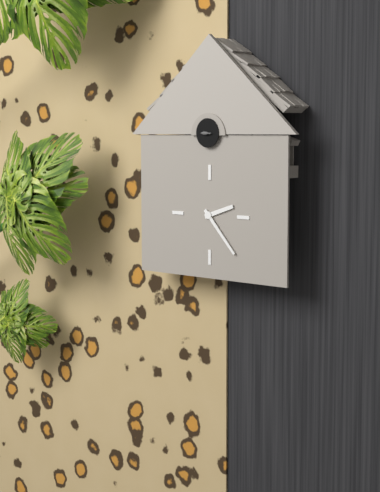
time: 2:23
